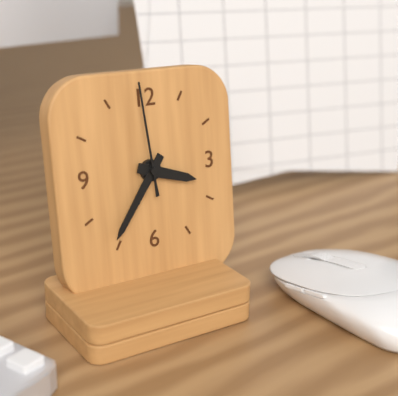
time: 3:36:59
